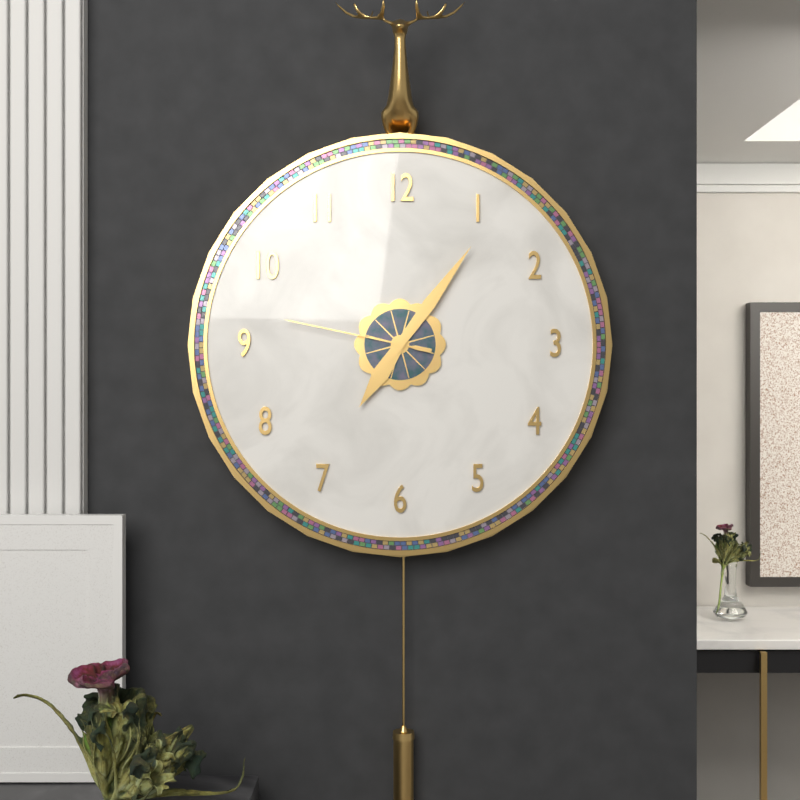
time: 7:06:47
